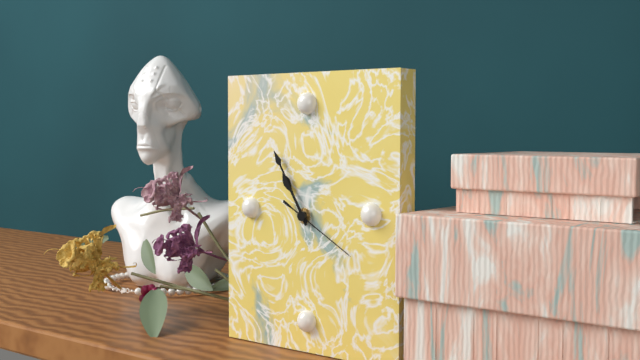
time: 10:55:20
